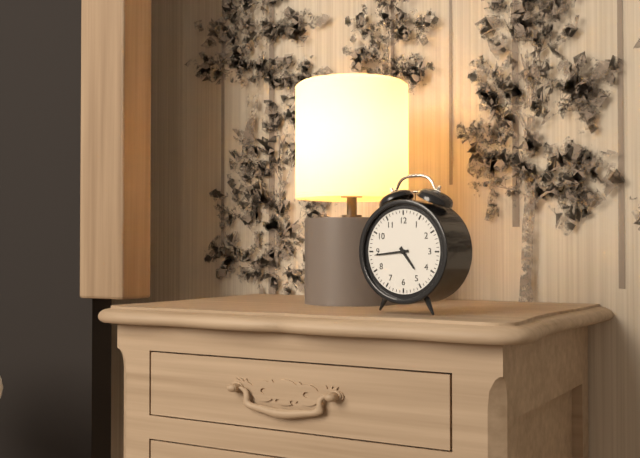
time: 4:44
